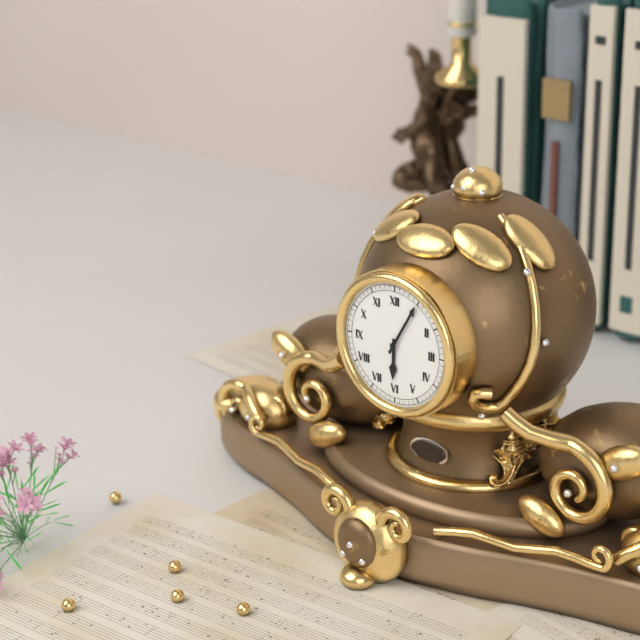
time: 6:05
